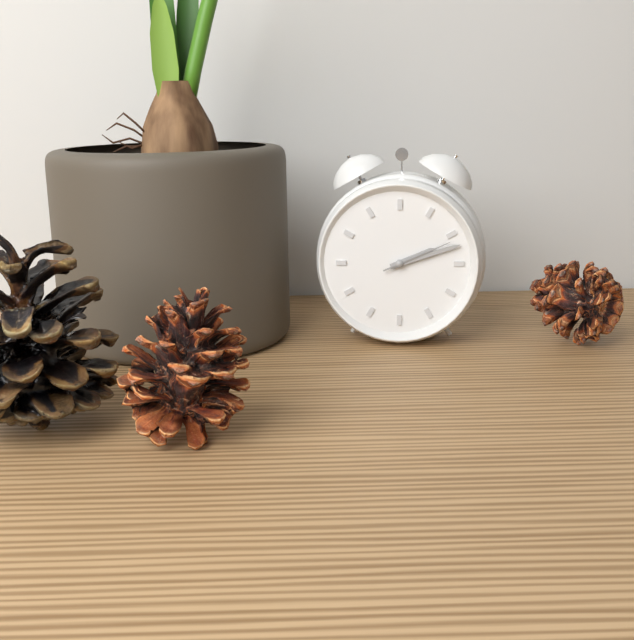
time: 2:12:11
